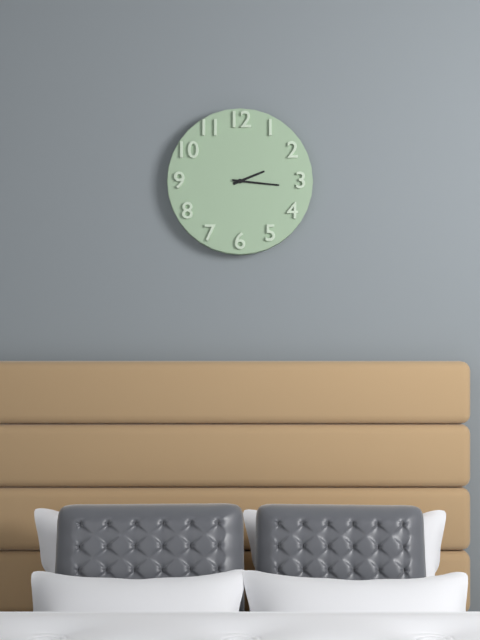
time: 2:16
